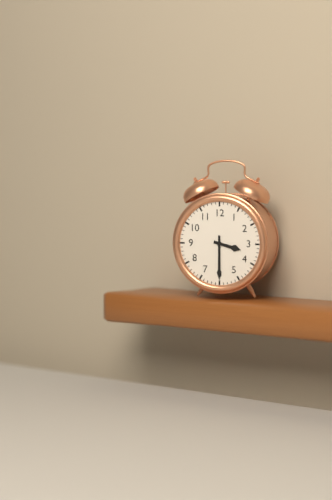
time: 3:30
